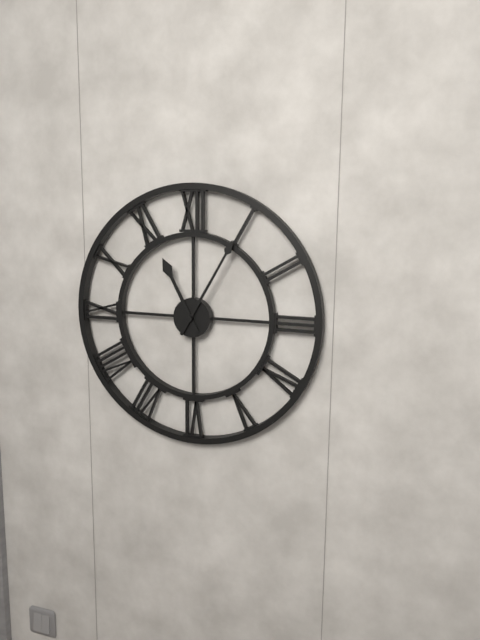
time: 11:05
